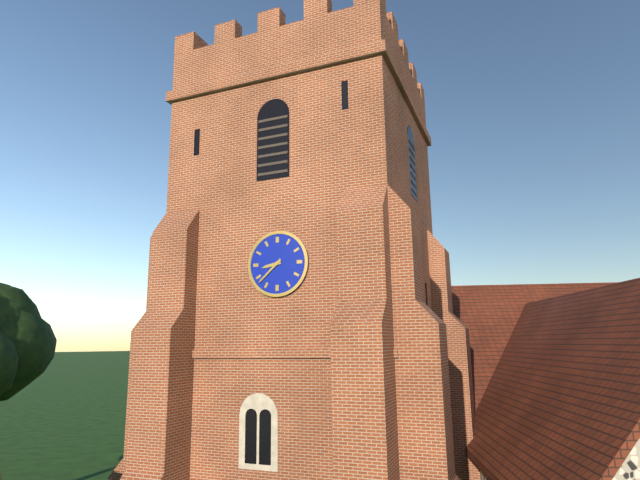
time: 8:38
